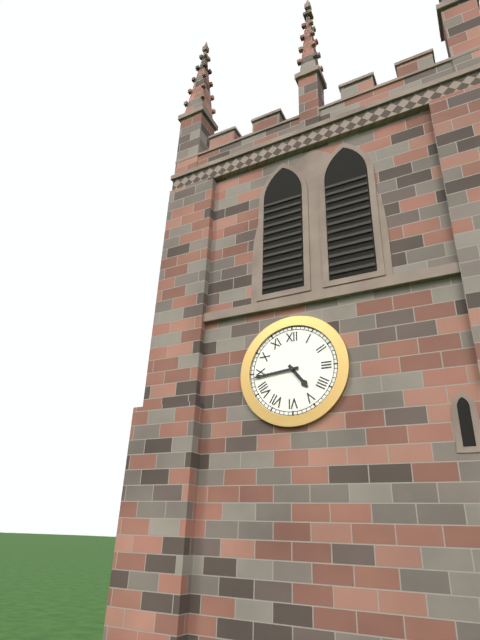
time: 4:44
